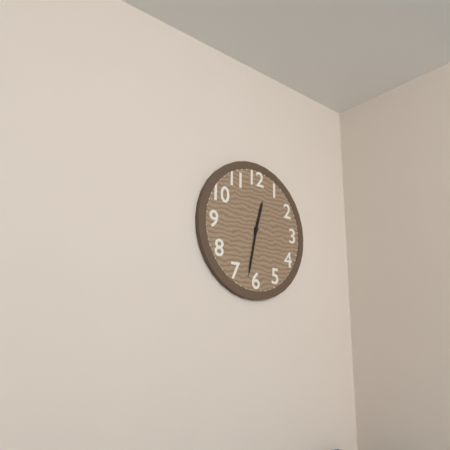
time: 12:32
